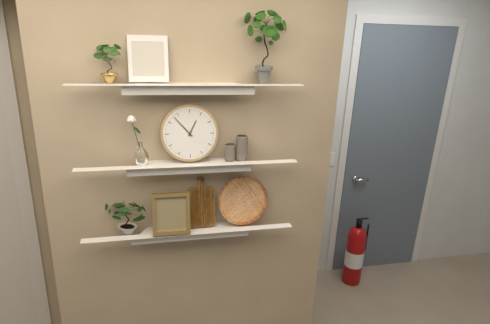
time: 12:53
